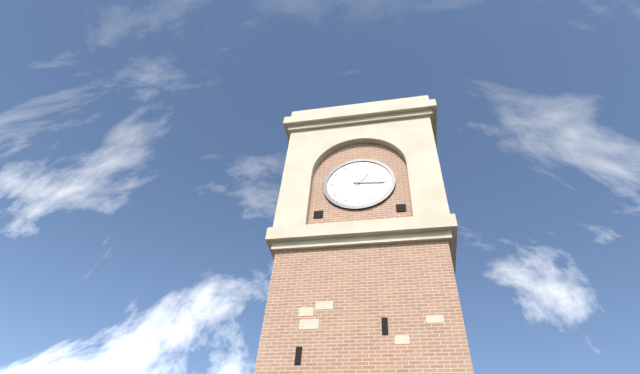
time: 1:16
